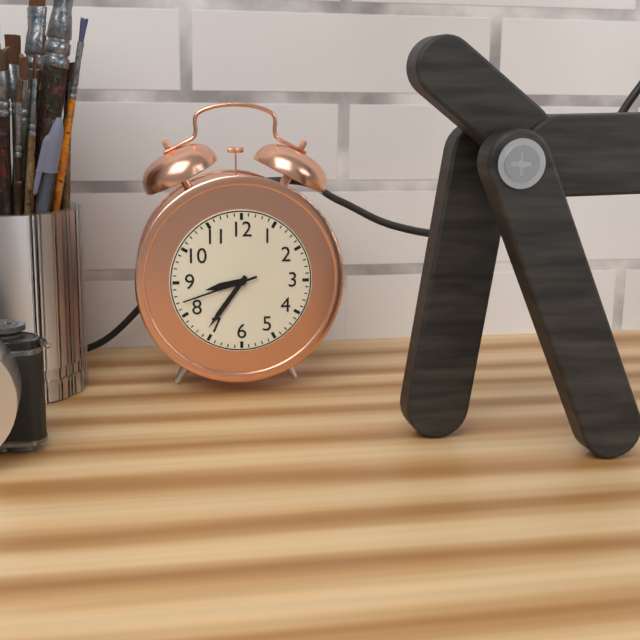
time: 8:36:42
